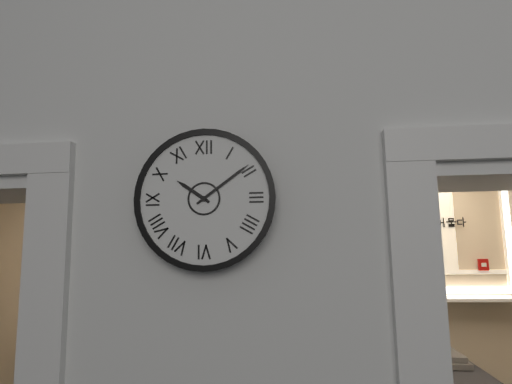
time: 10:09
